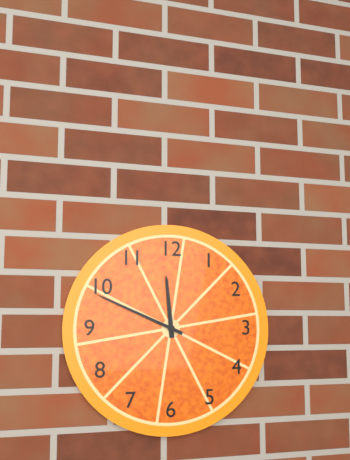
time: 11:49
